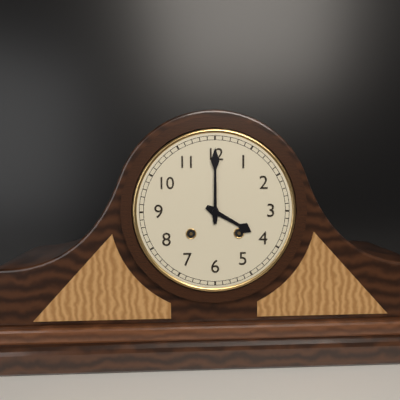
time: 4:00
